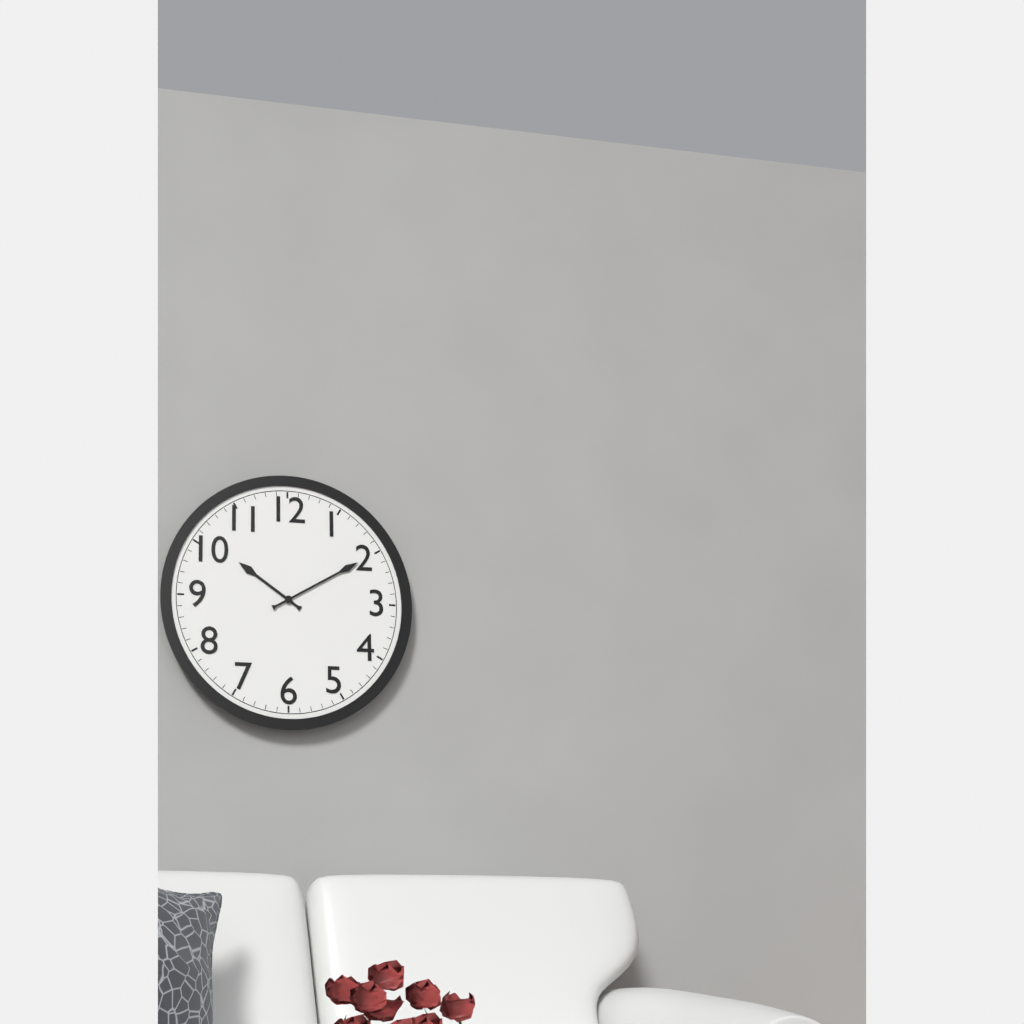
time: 10:10
